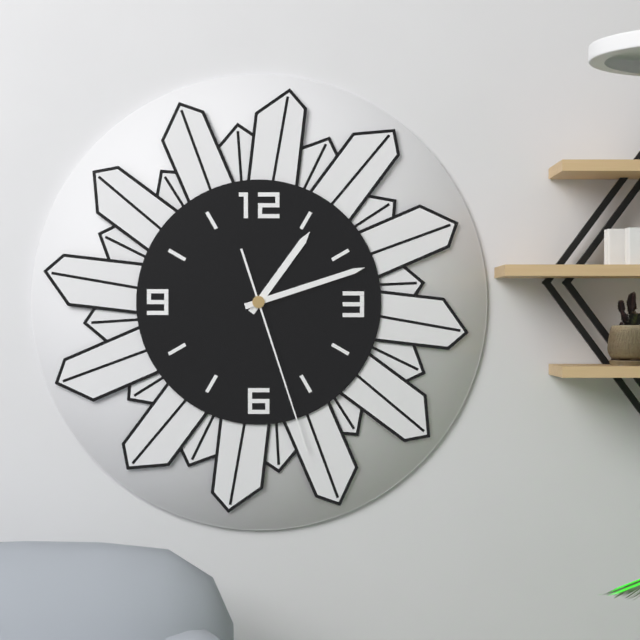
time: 1:12:27
